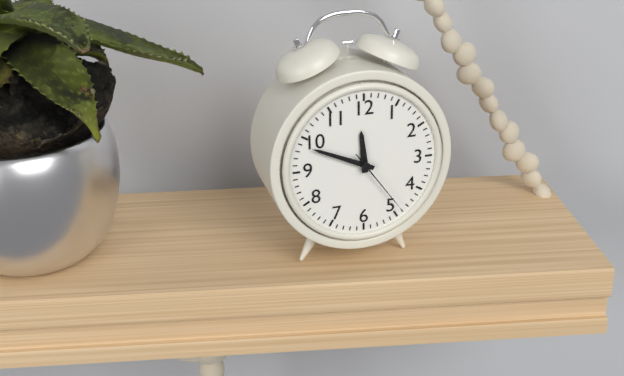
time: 11:49:24
